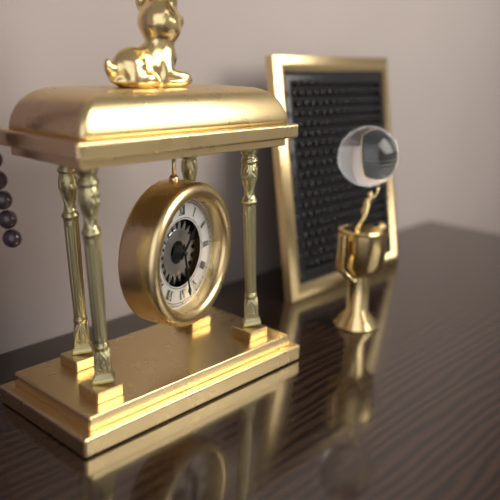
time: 1:28
